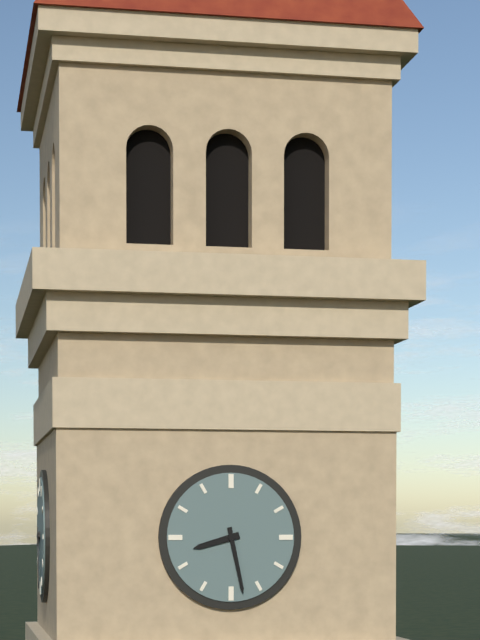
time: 8:28
